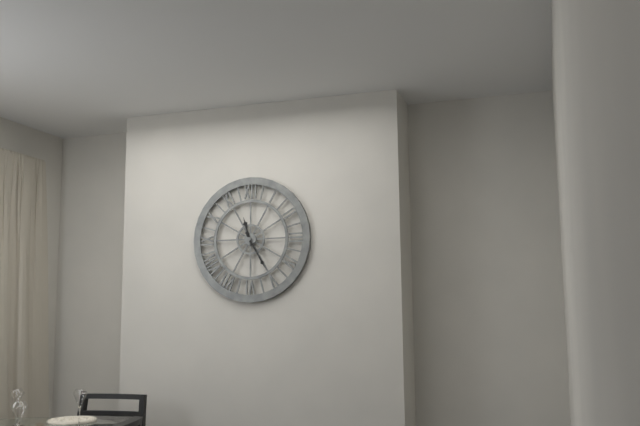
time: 11:25
